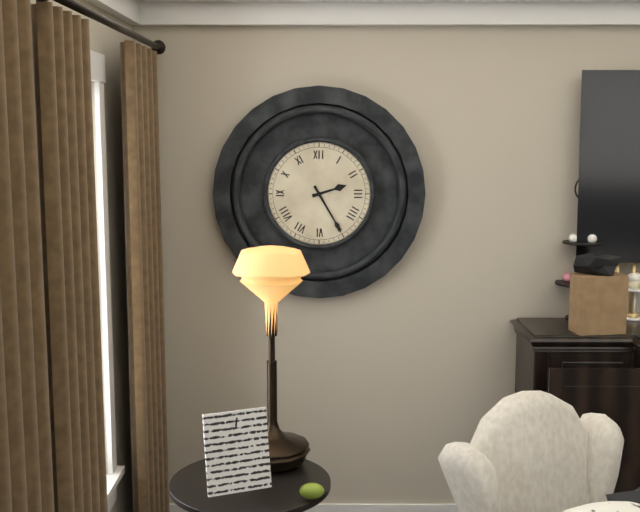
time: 2:25
